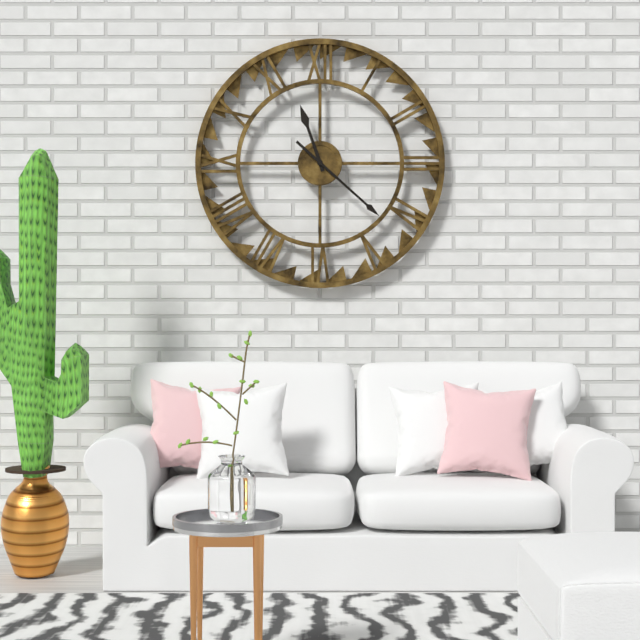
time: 11:22
